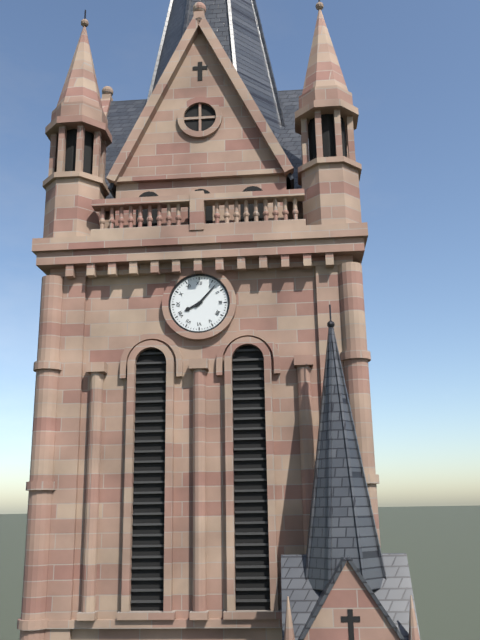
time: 8:07
